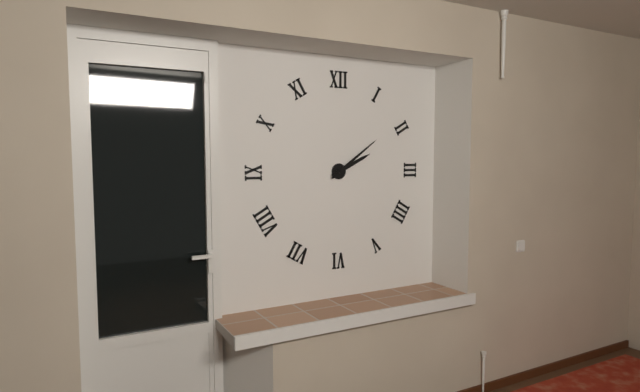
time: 2:09
